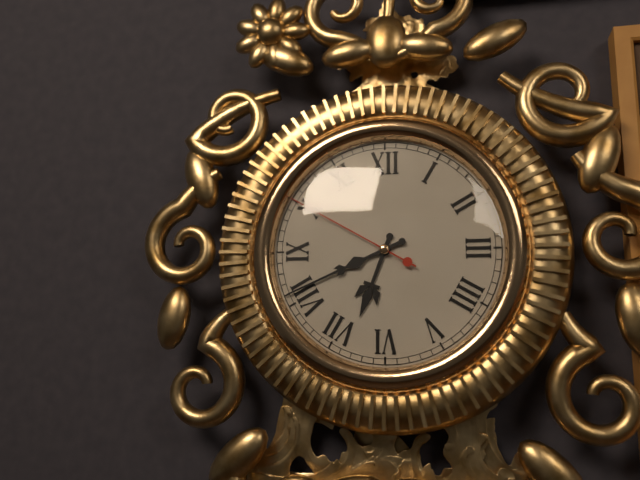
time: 6:41:50
